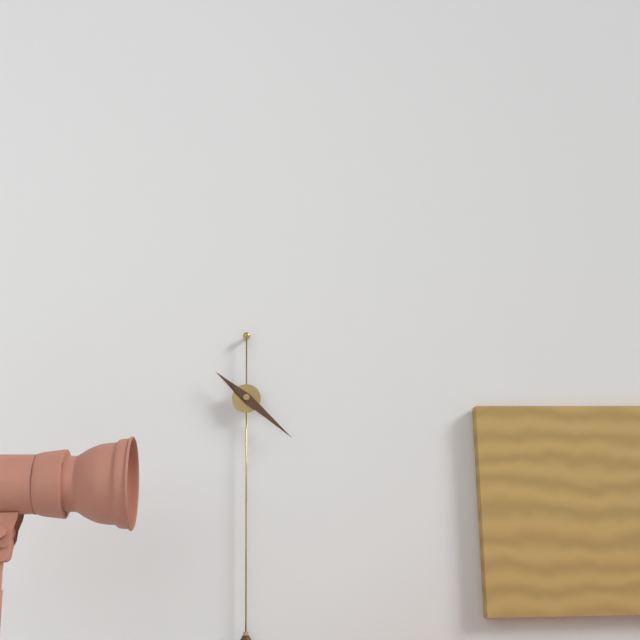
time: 10:22
